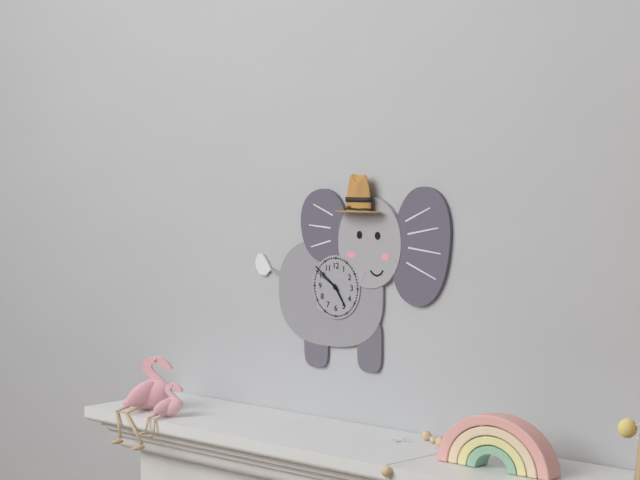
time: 4:51
